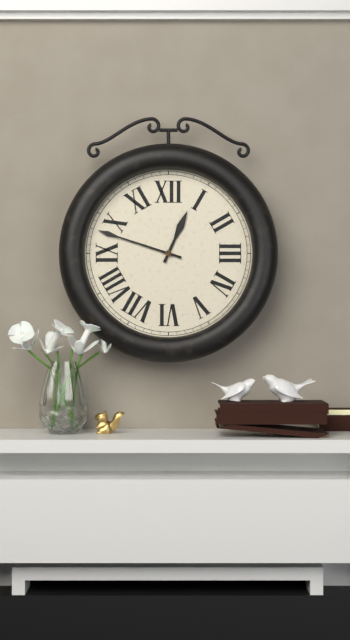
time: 12:48
